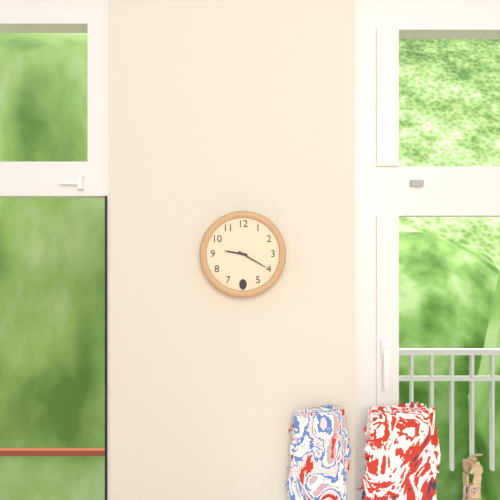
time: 9:20
